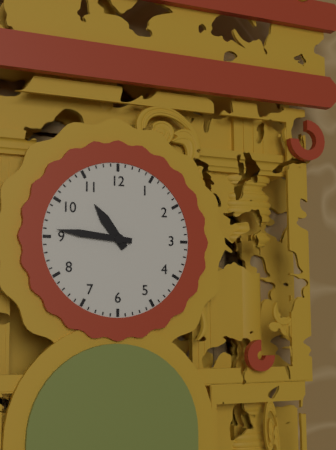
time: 10:46
